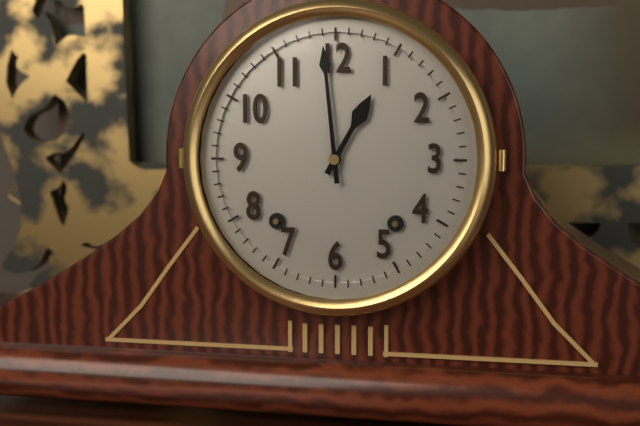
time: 12:59
